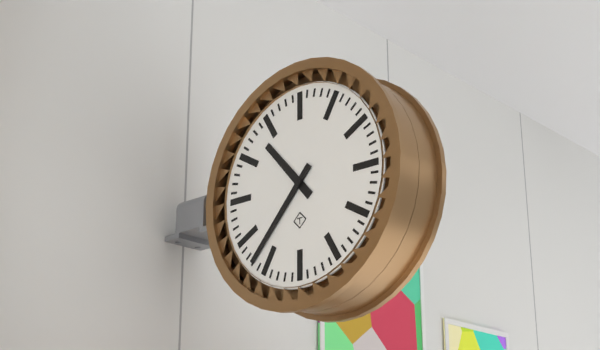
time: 10:37
